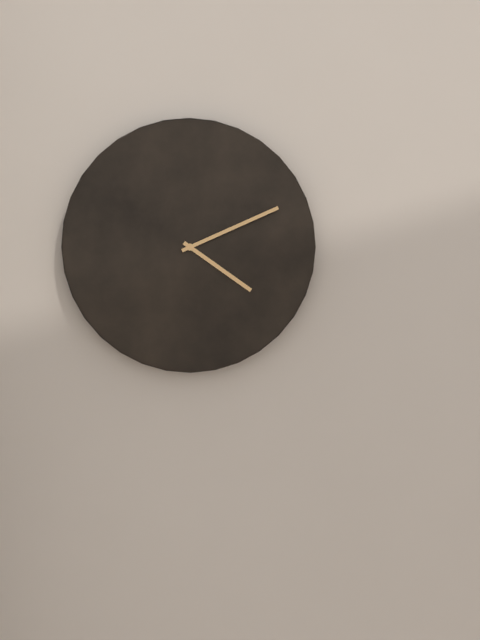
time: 4:11
